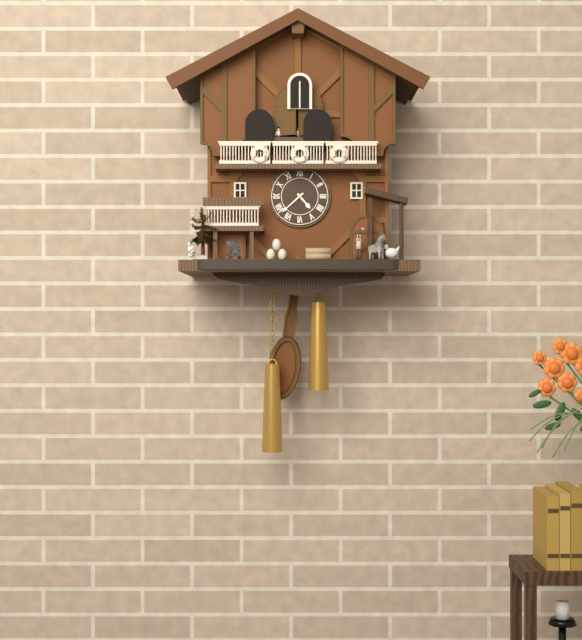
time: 4:38
